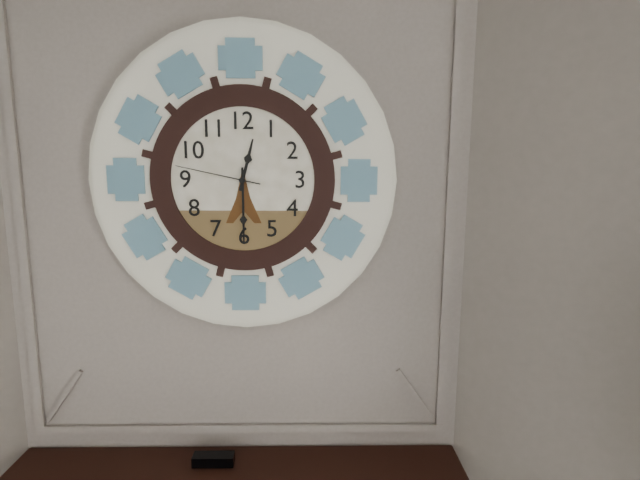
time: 12:30:47
